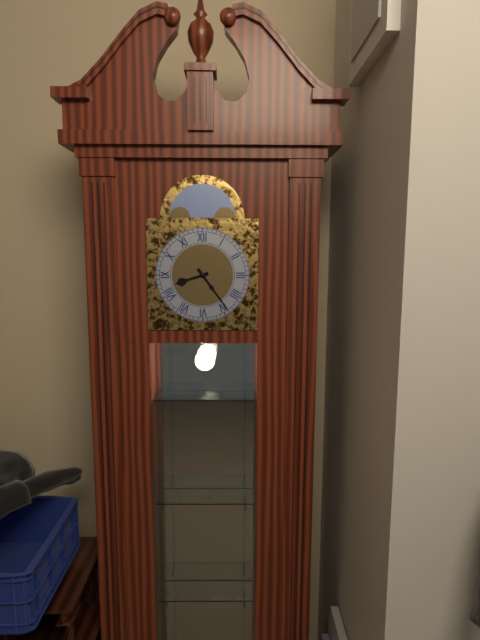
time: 8:24
